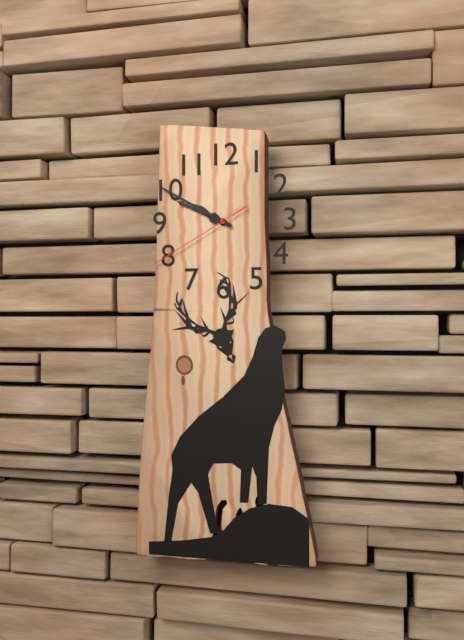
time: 9:50:40
